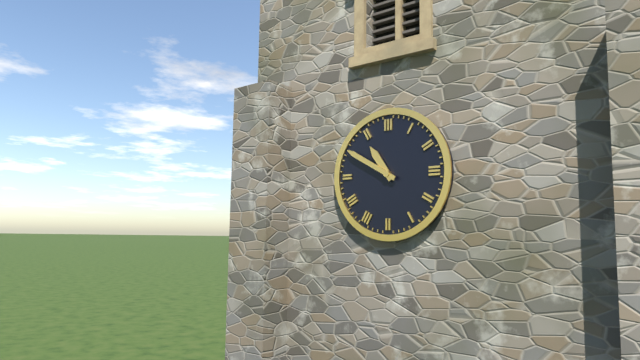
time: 10:50
